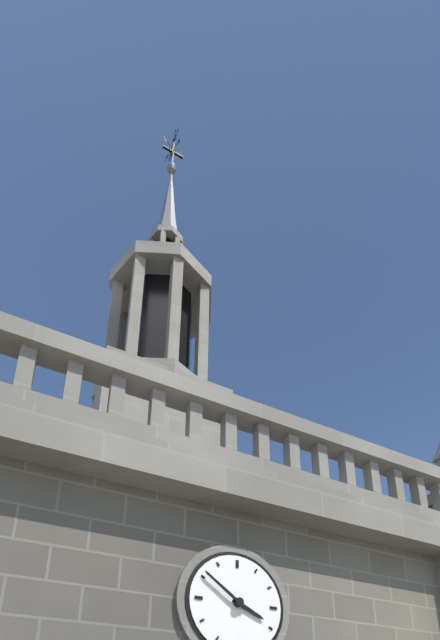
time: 3:51
